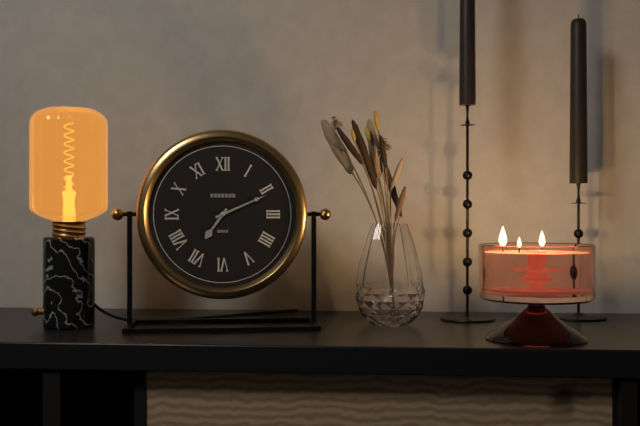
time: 7:11
